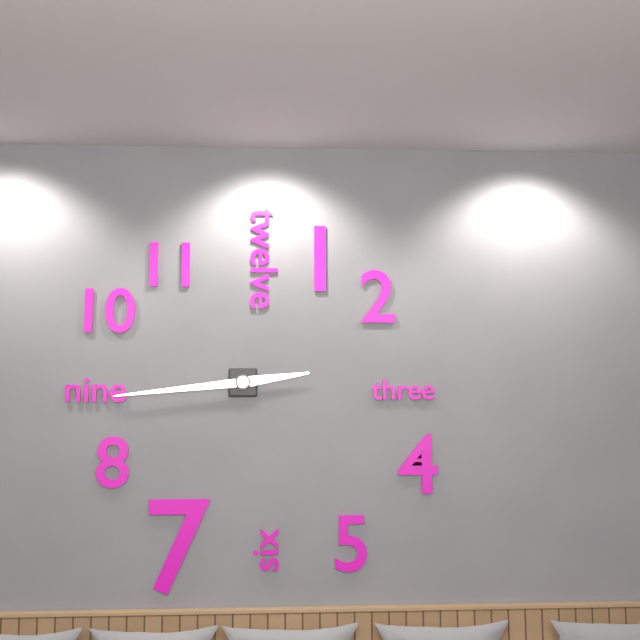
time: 2:44
